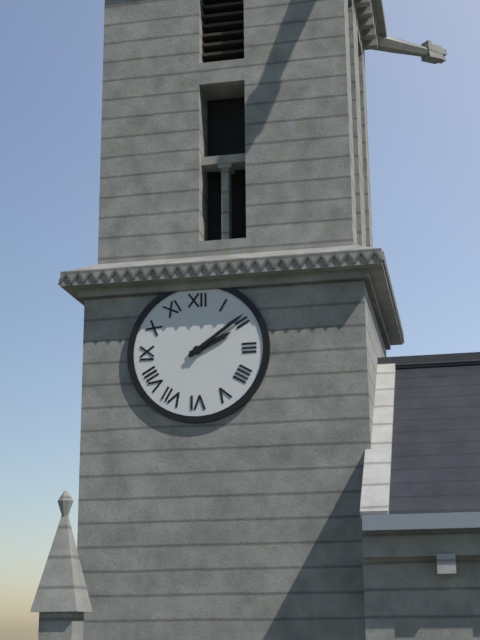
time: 2:09
